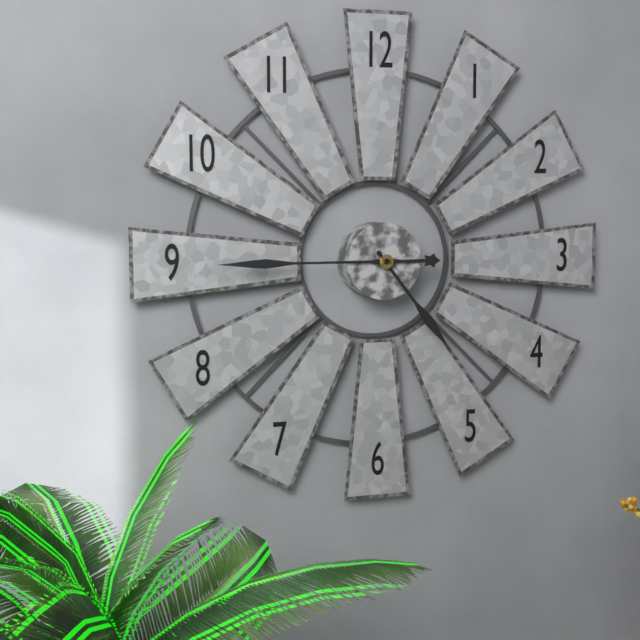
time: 4:45
